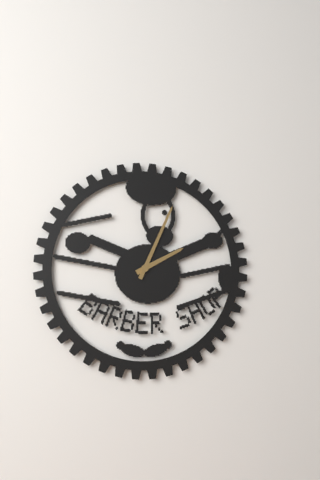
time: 2:04
